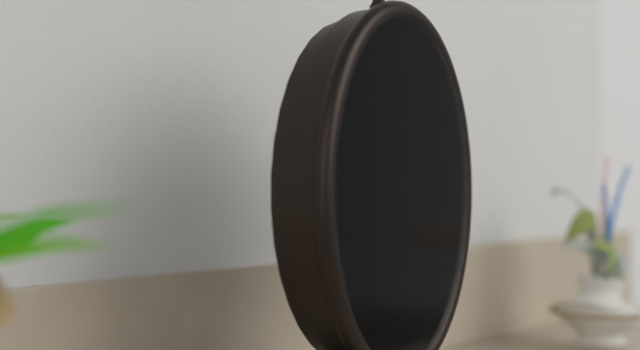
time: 7:23
